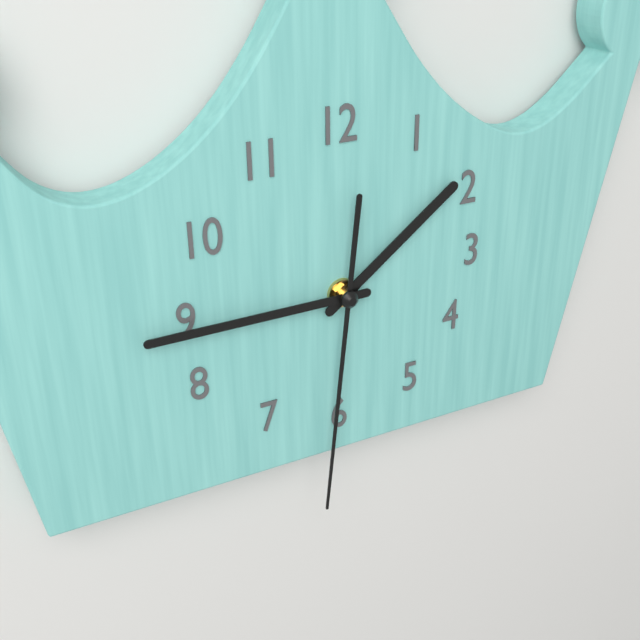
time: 1:45:31
